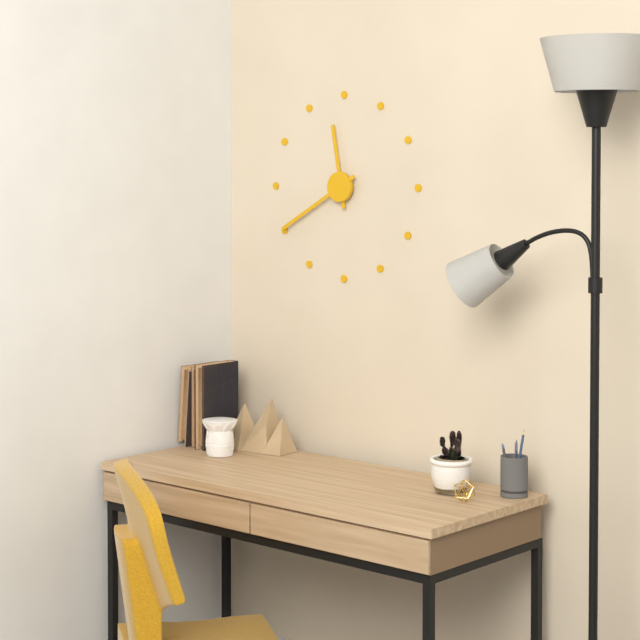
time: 11:40
